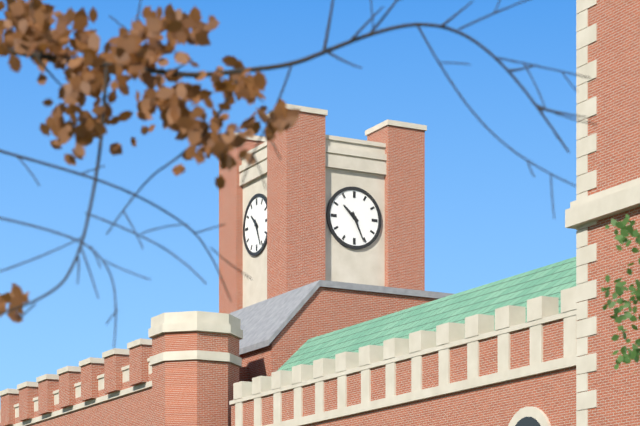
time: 10:26
